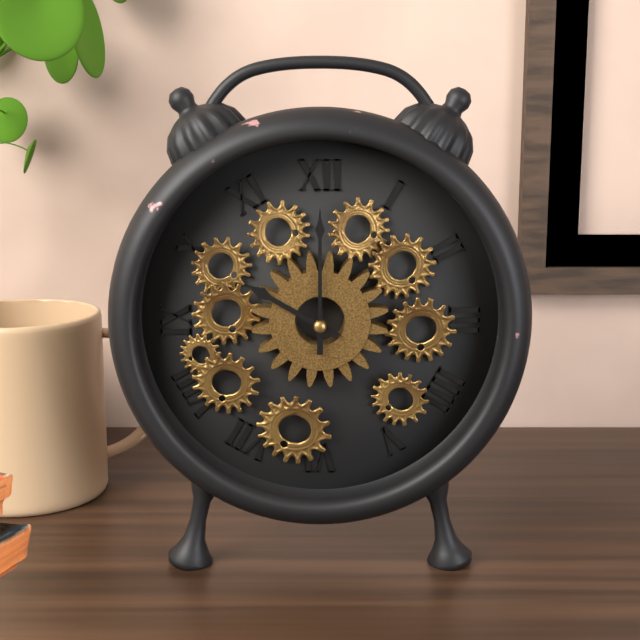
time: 10:00
